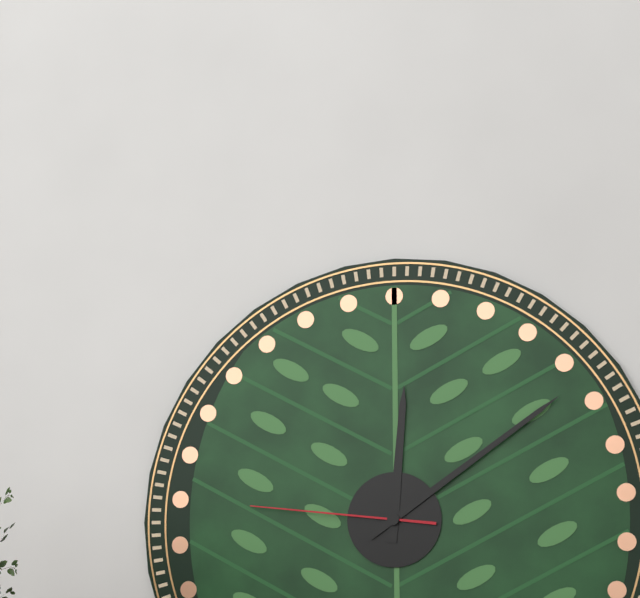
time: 12:09:46
